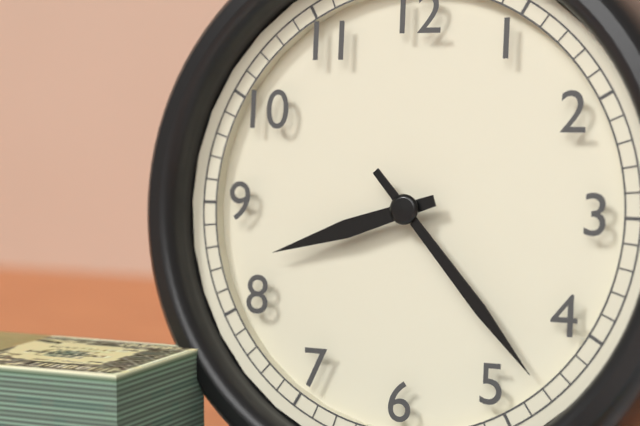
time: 8:23
